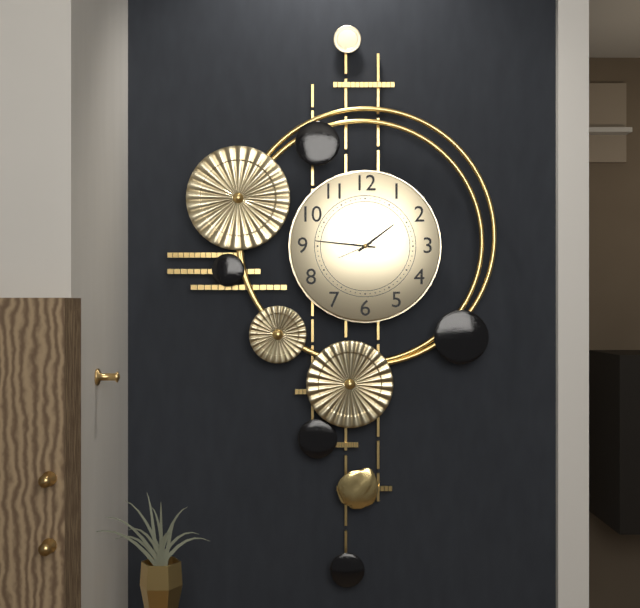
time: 1:46
